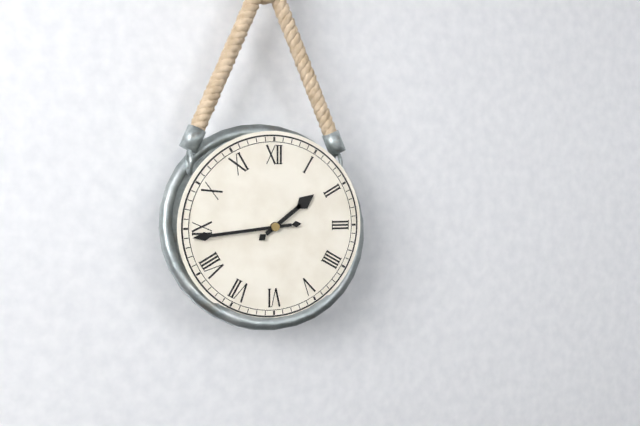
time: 1:44
